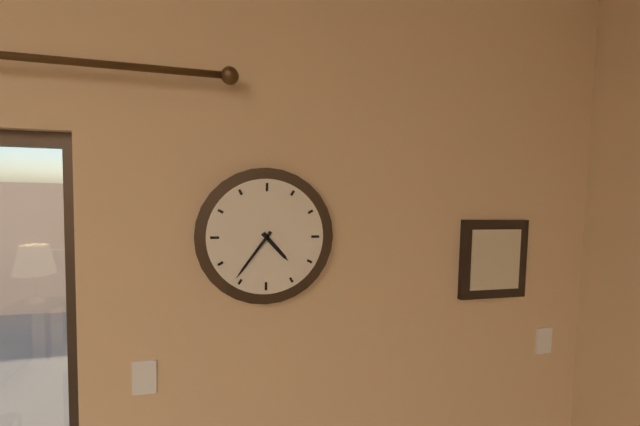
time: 4:36
